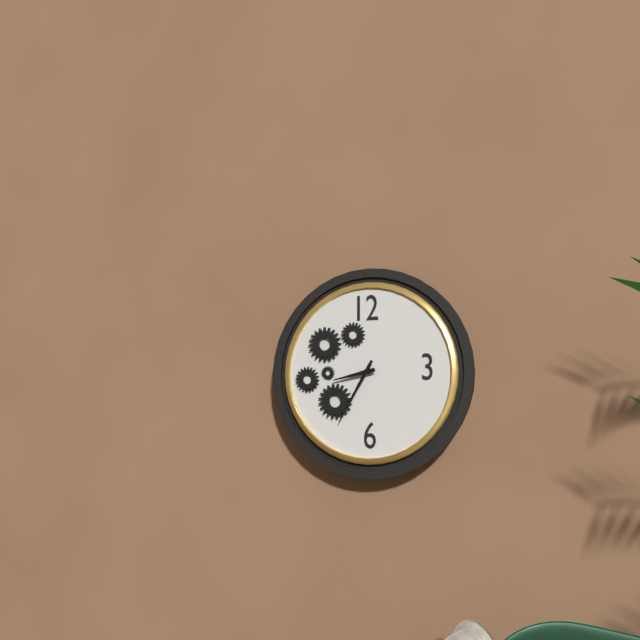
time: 8:35
